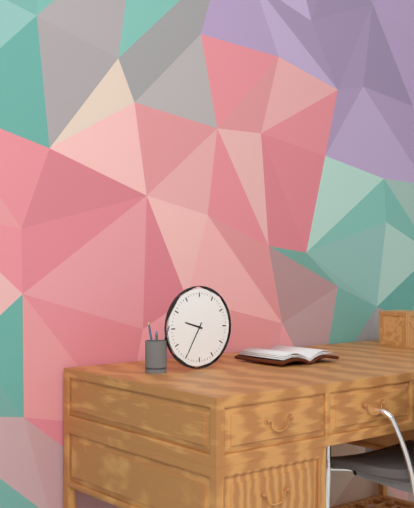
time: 9:35
